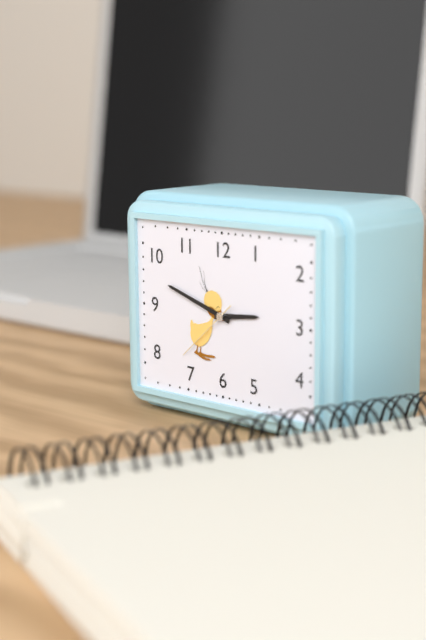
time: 2:48:38
